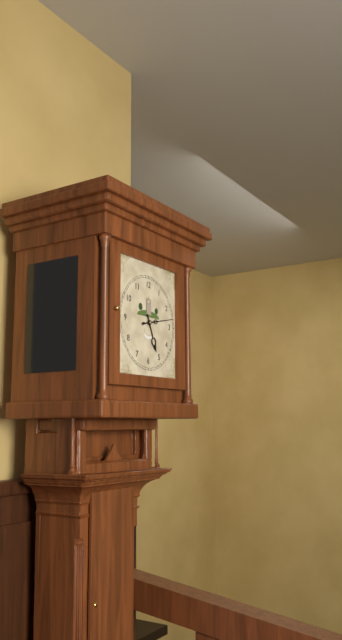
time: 5:13
